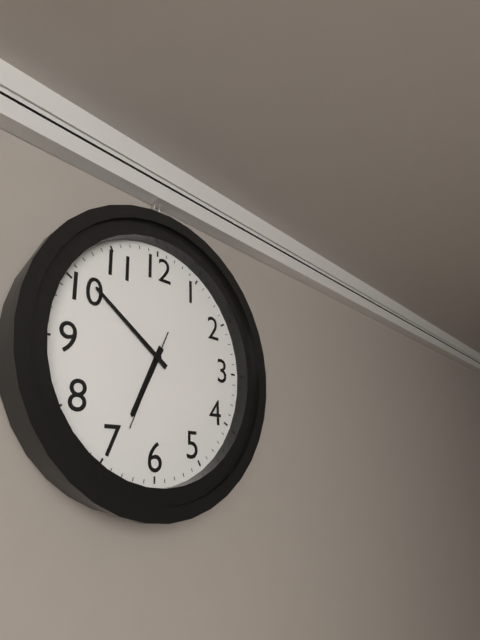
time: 6:51:34
